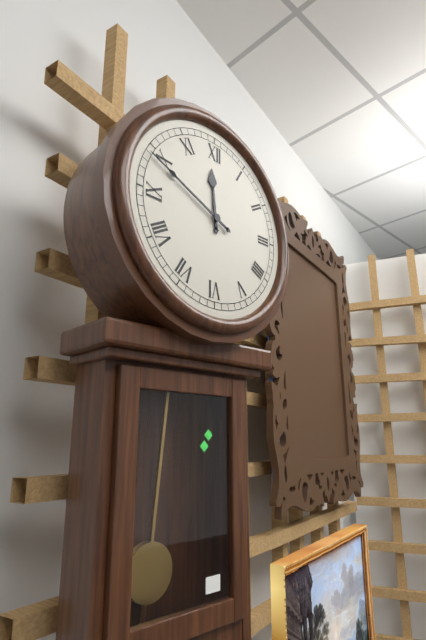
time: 11:49
